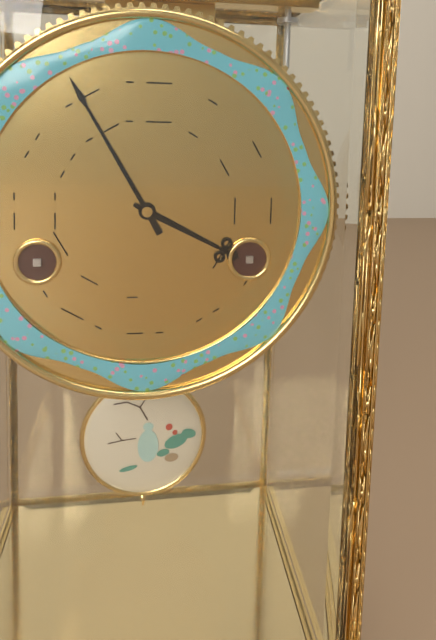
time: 3:55
